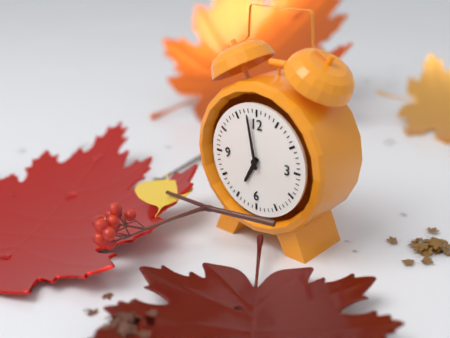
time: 6:58
